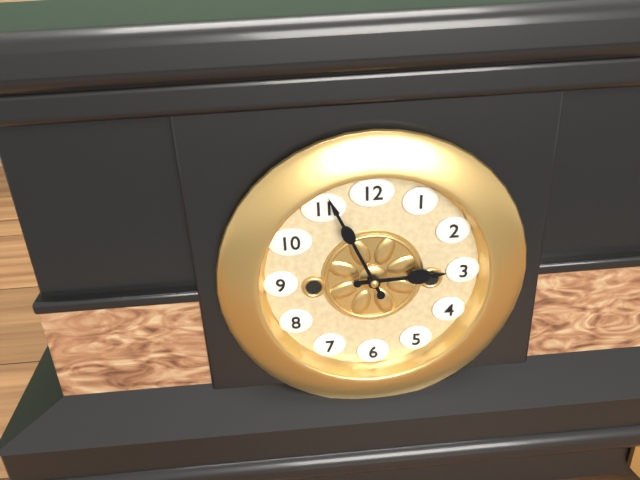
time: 2:56
